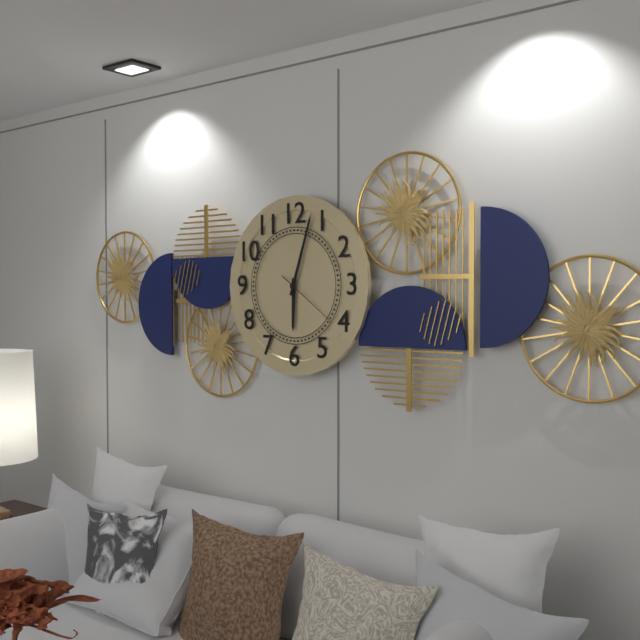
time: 6:03:21
